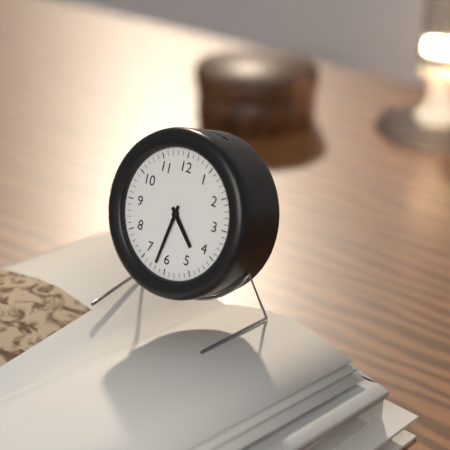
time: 4:32
